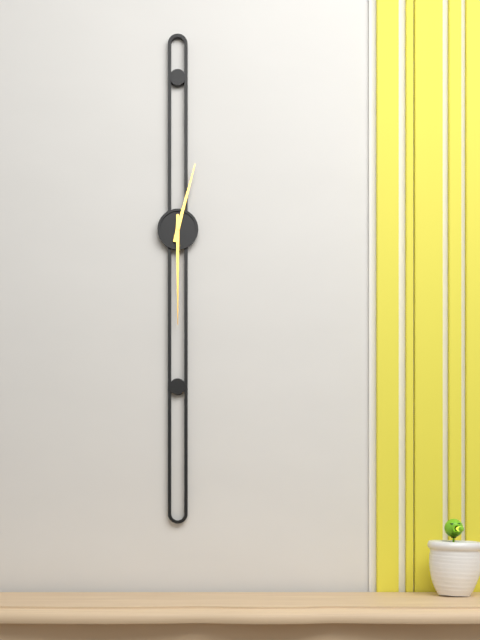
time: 12:30
